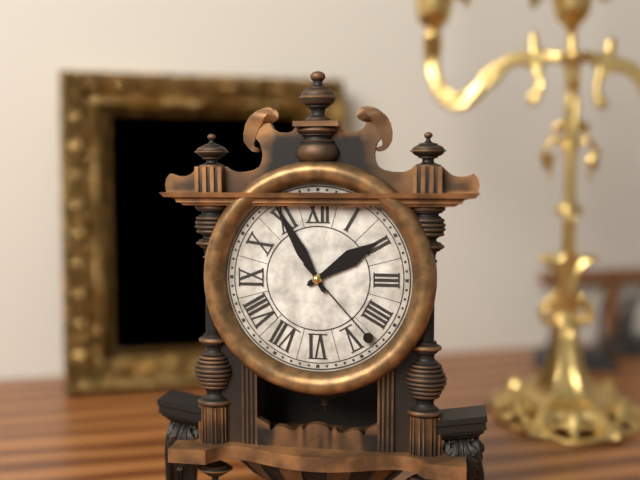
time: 1:55:23
